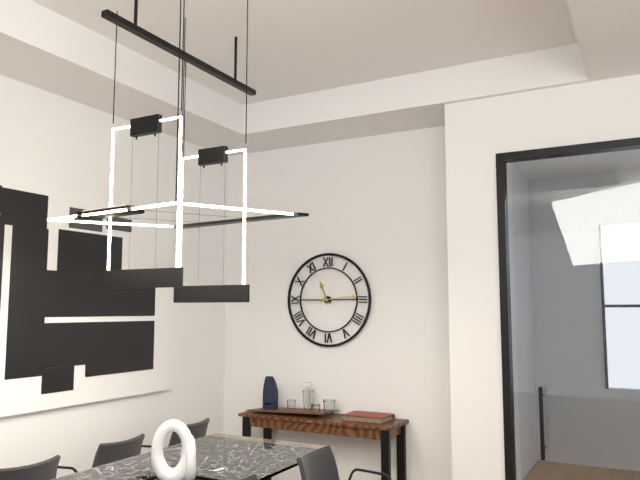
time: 11:14
